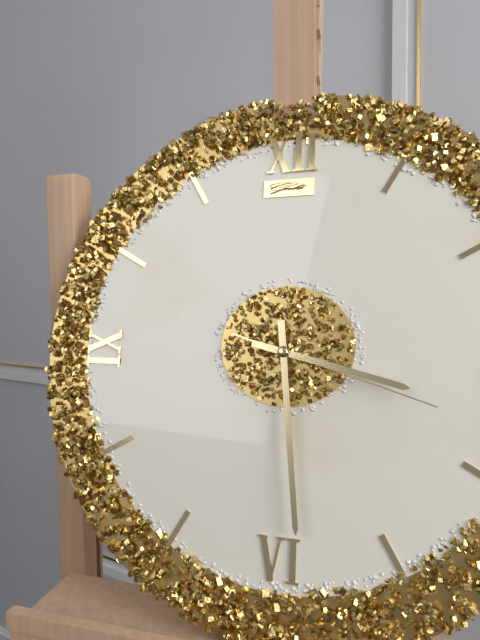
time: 3:29:18
